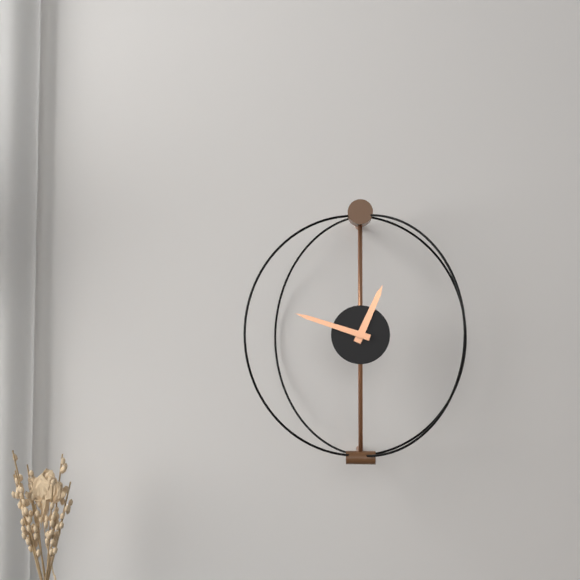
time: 12:48
